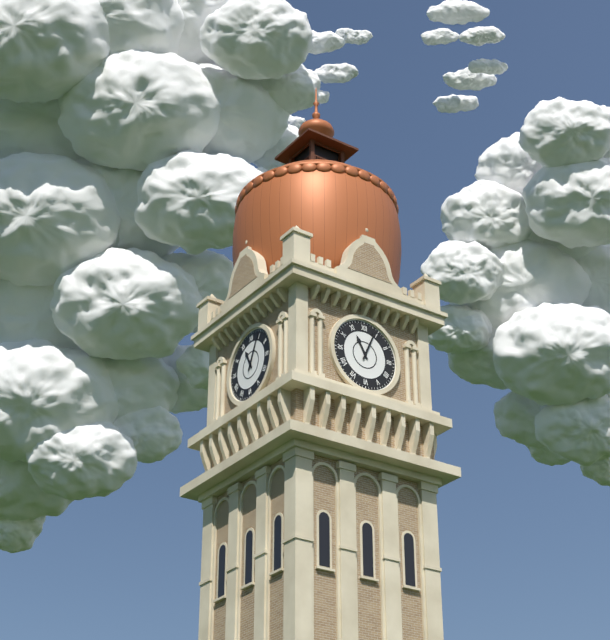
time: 11:04
